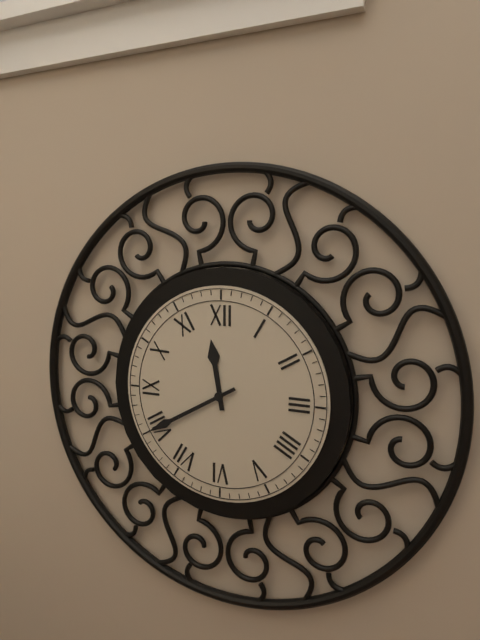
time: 11:40
